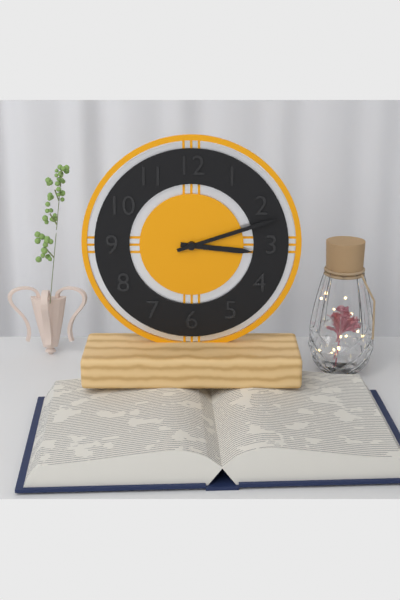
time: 3:12
